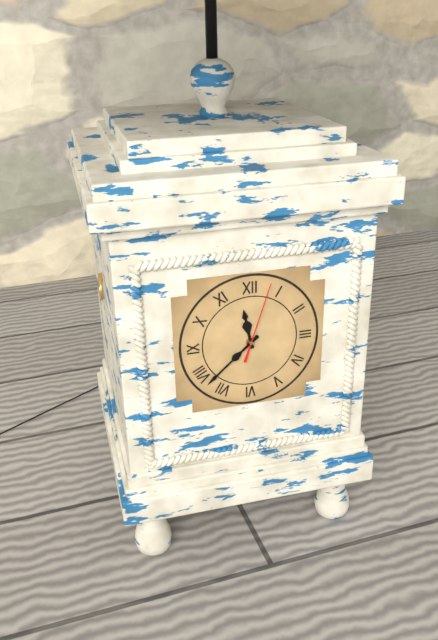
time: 11:38:03
